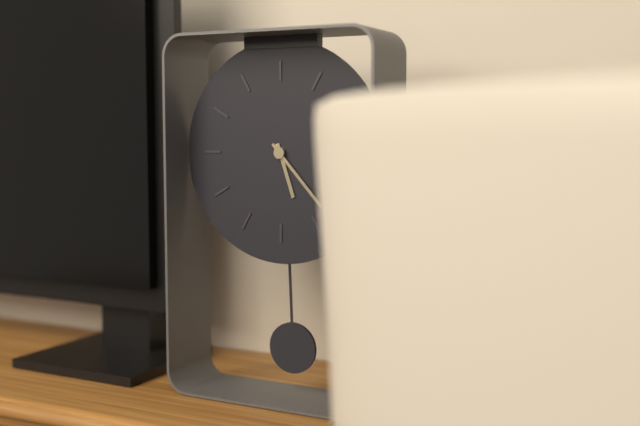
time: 5:23
